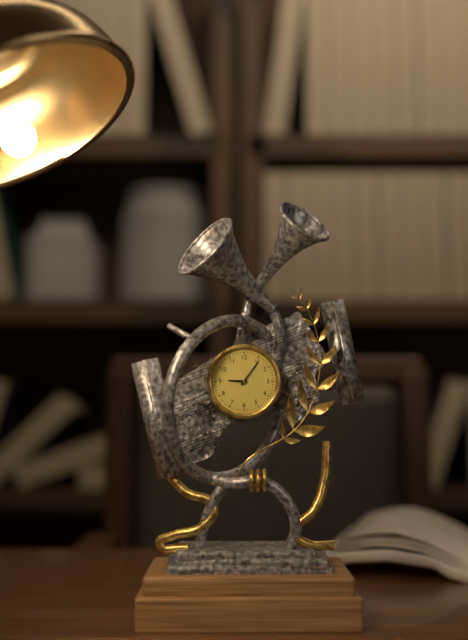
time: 9:06
